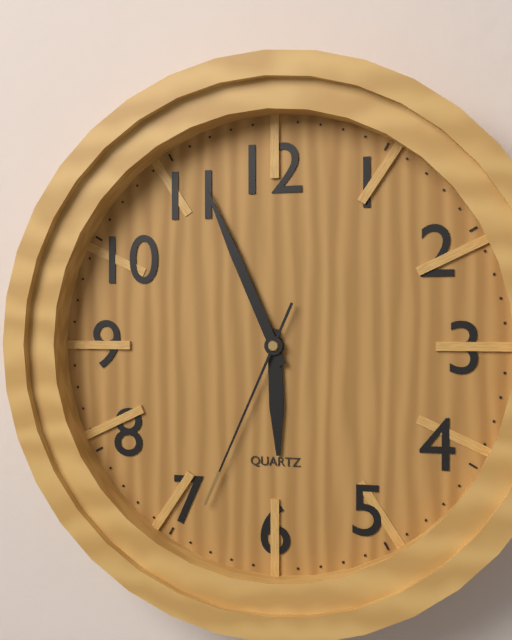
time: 5:56:34
